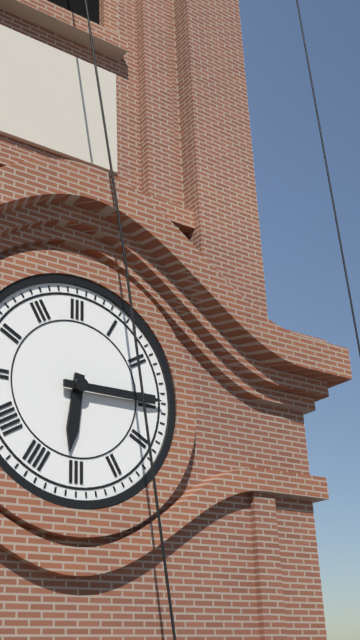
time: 6:15
